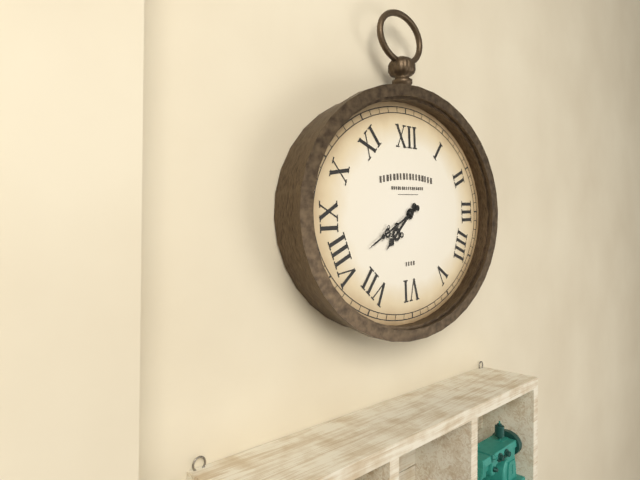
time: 7:41
